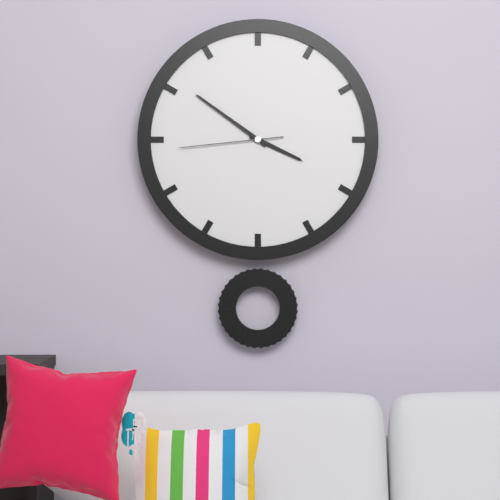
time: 3:51:44
